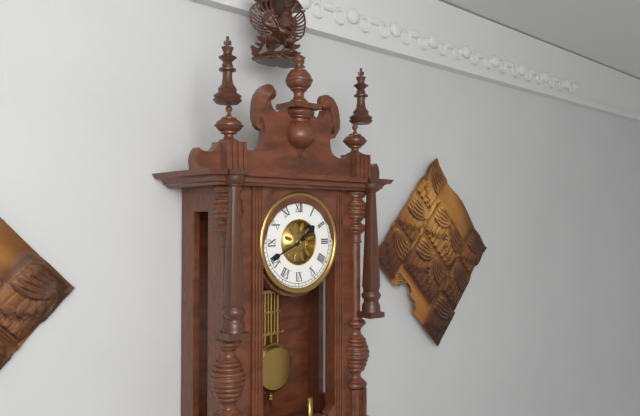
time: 1:41
